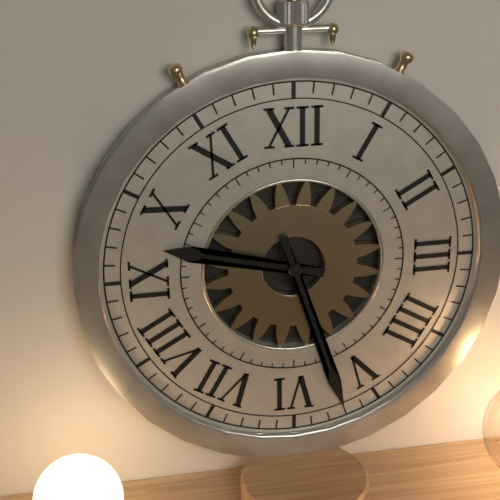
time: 9:27
